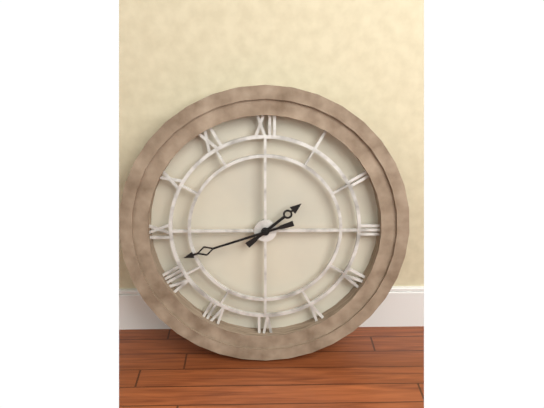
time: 1:42
